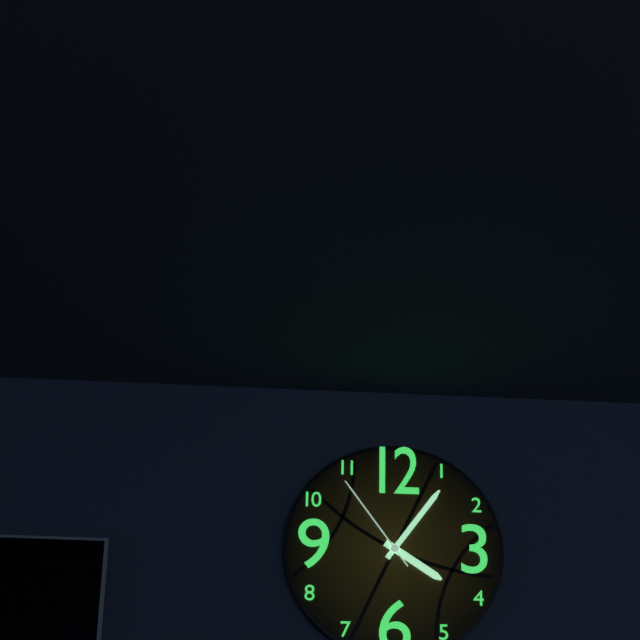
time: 4:06:54
